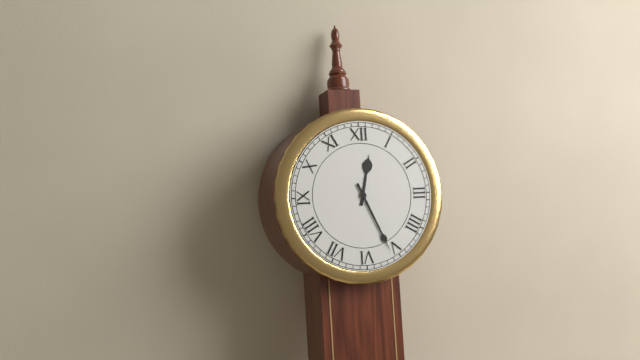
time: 12:26
